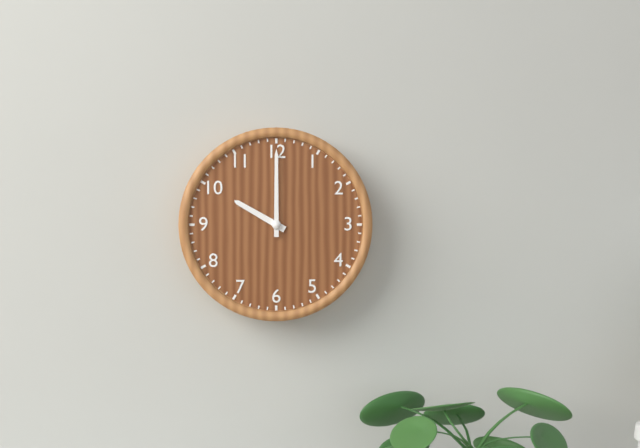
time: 10:00
